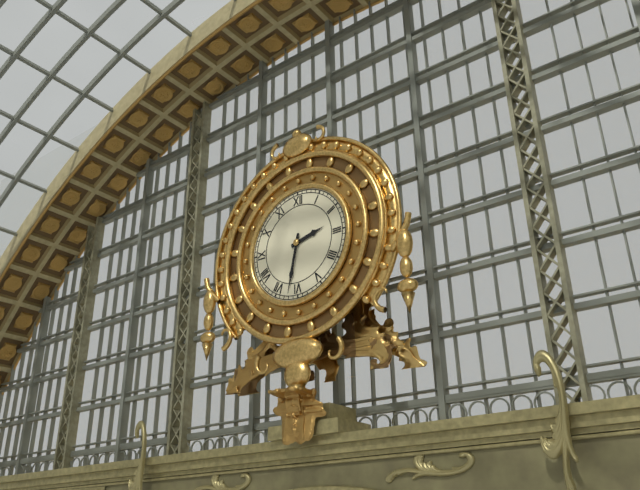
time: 2:32
